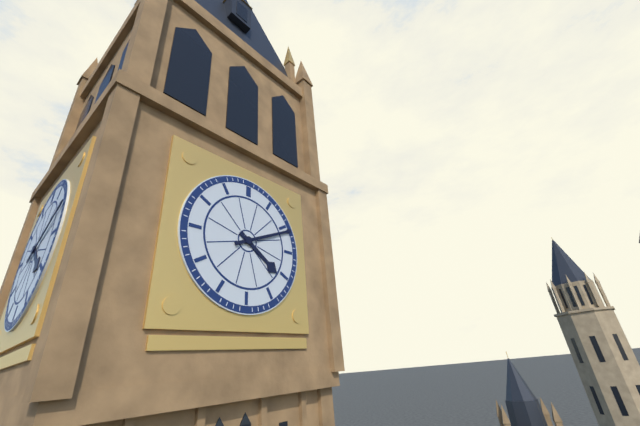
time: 4:11
